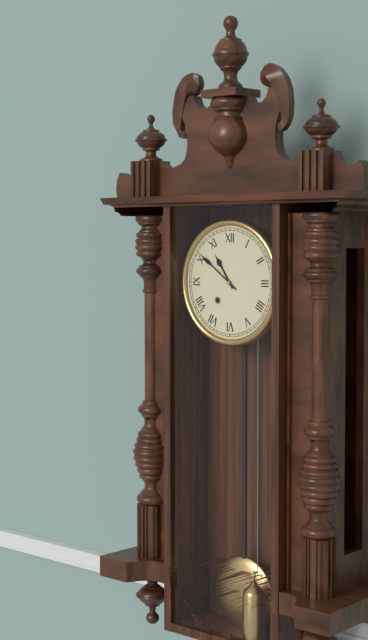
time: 10:51
